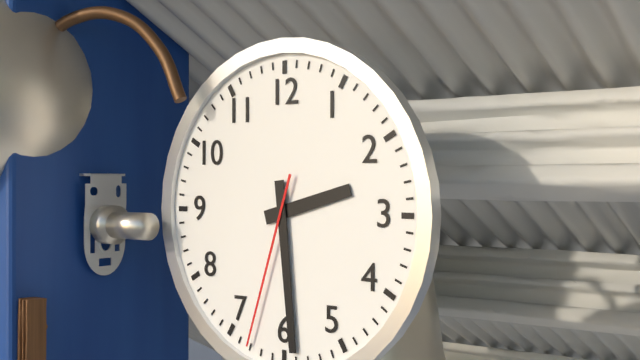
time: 2:29:33
